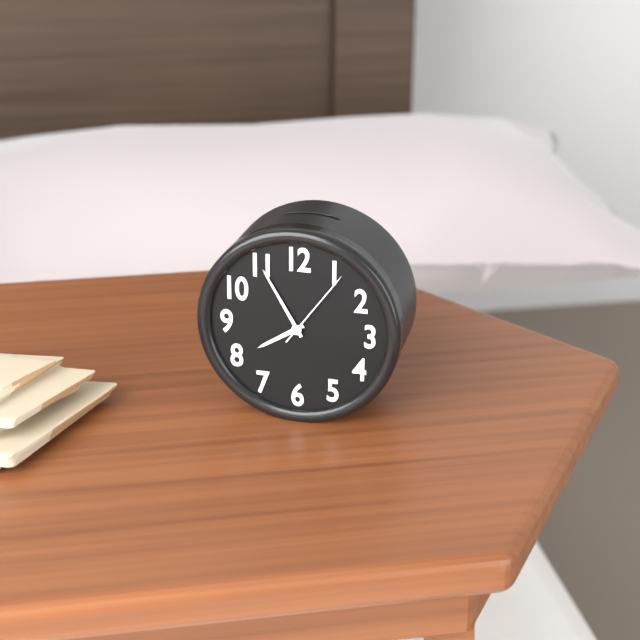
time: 7:55:06
